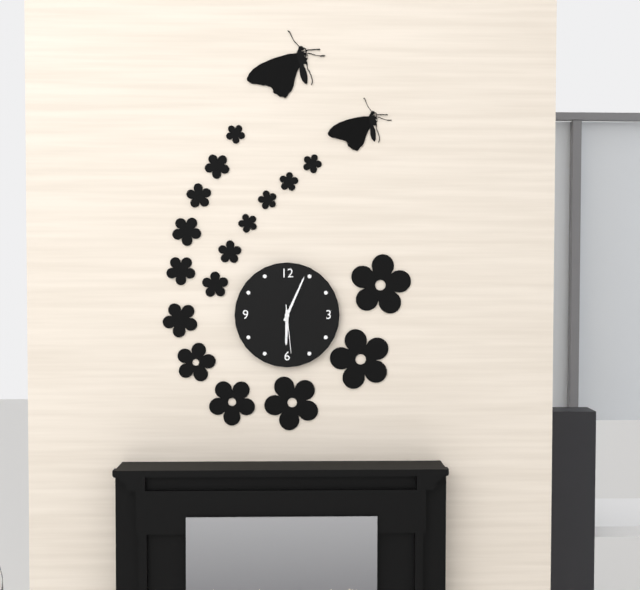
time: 6:04
